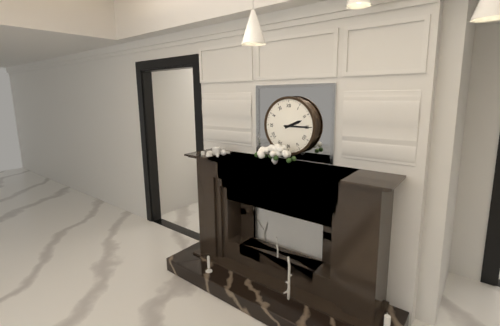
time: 2:15
